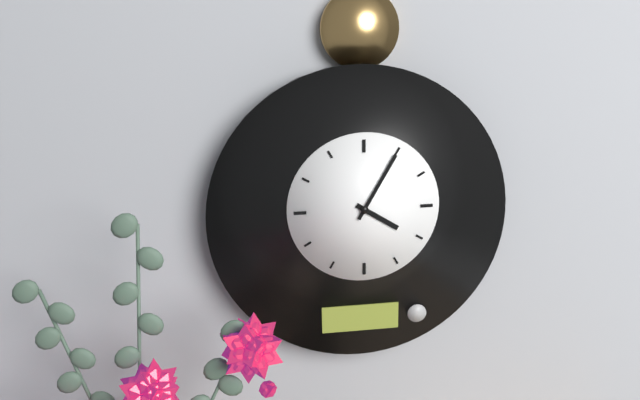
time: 4:05
